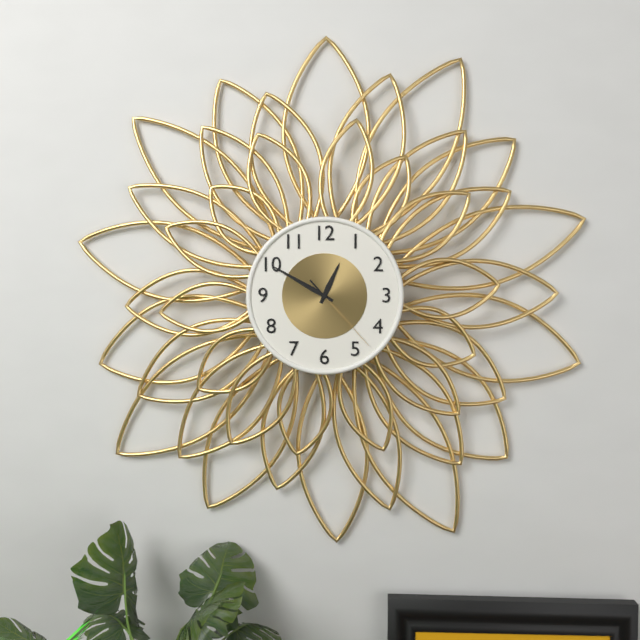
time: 12:50:23
